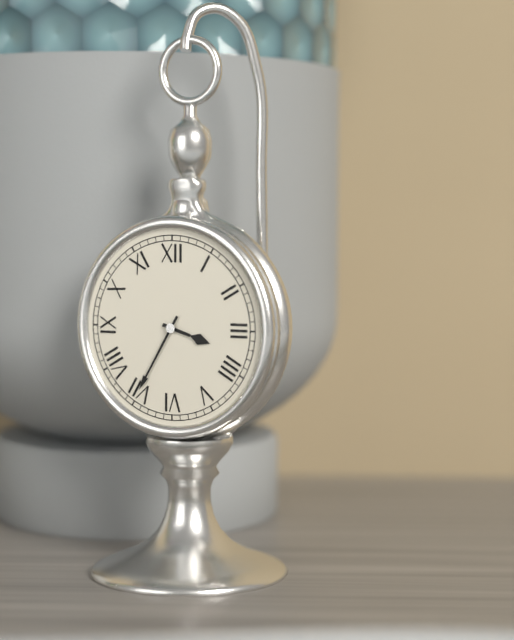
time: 3:35
